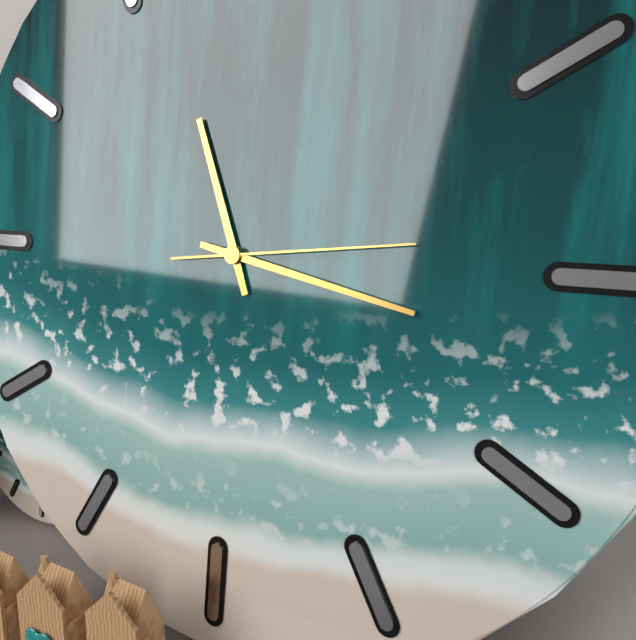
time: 11:17:14
